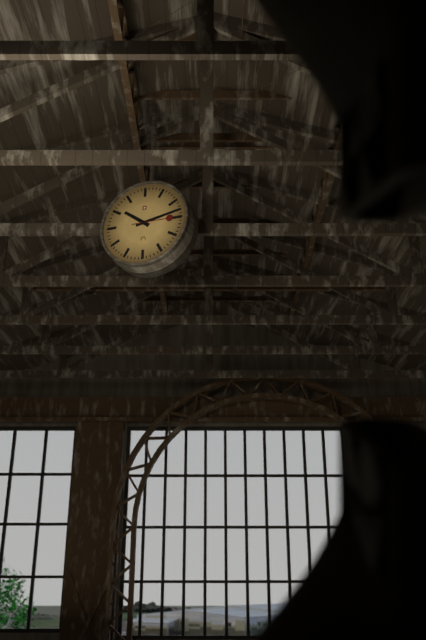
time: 10:13
